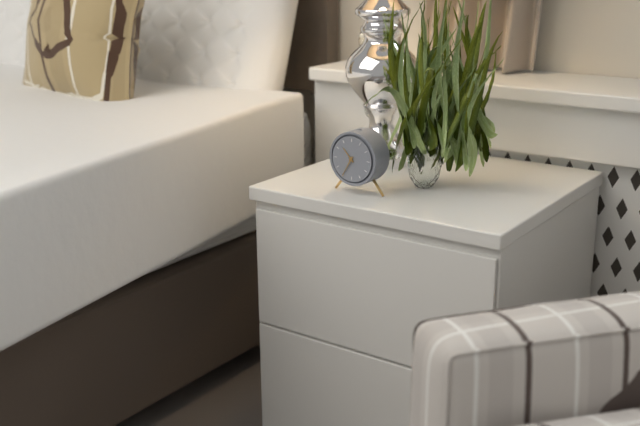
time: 10:35
